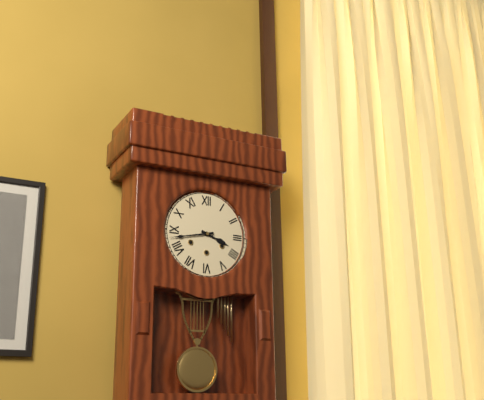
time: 3:43
